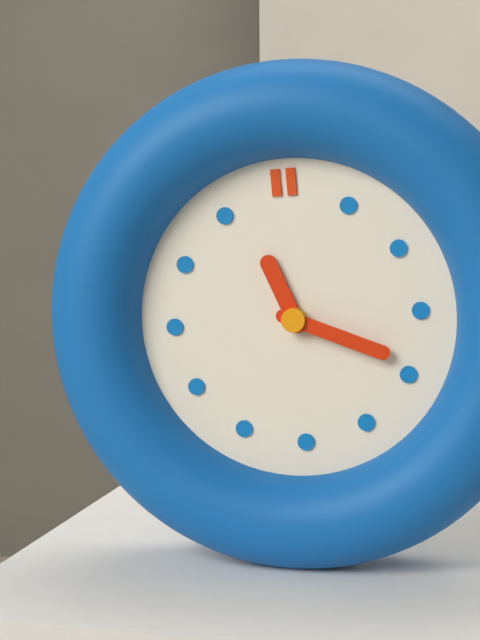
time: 11:19
